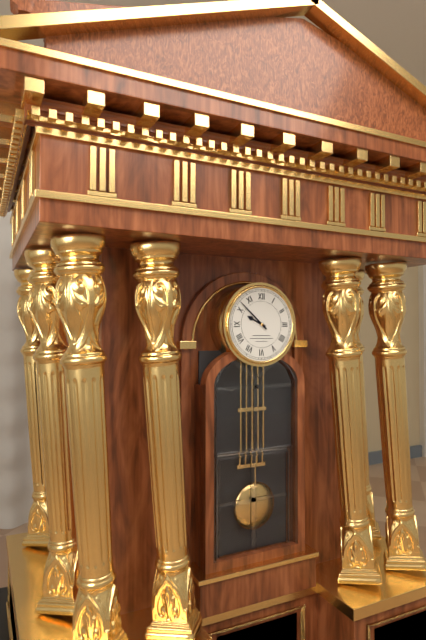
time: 9:52
